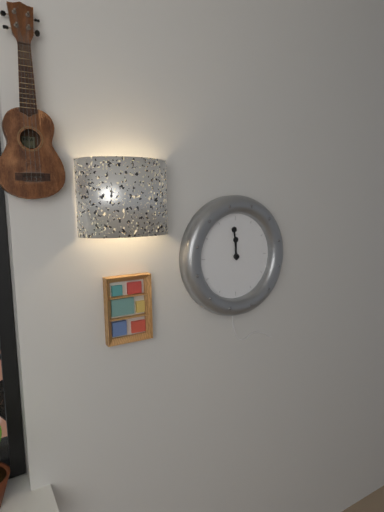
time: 11:59
